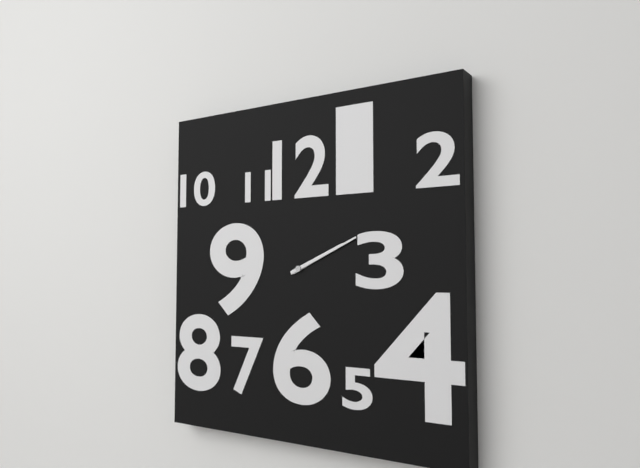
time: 2:11
